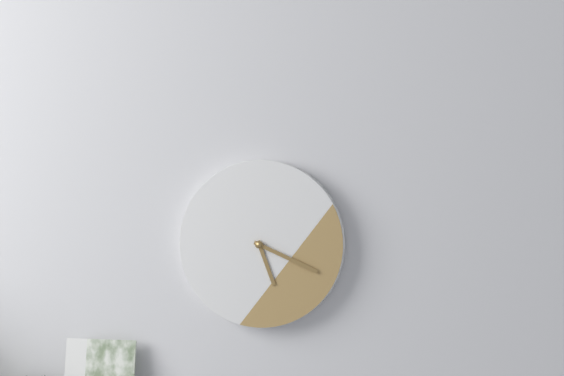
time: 5:19
